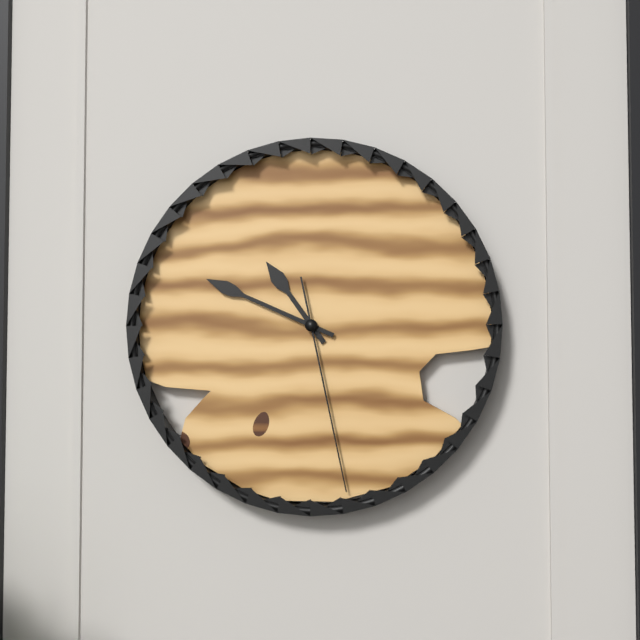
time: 10:49:28
